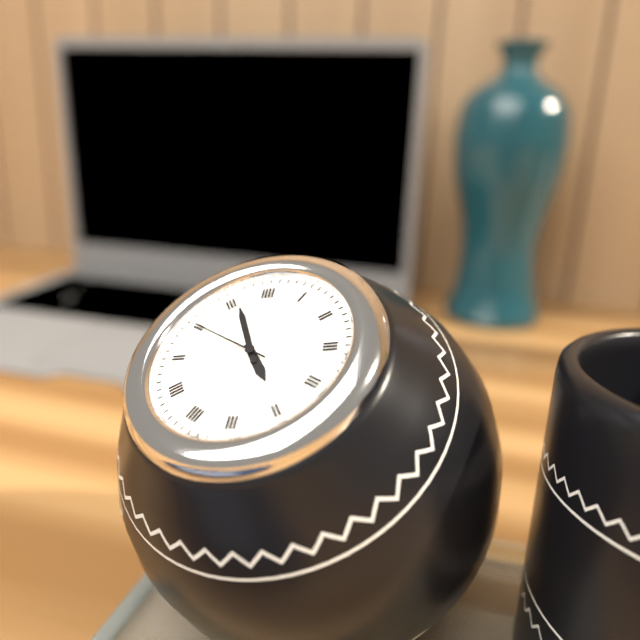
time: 4:56:50
